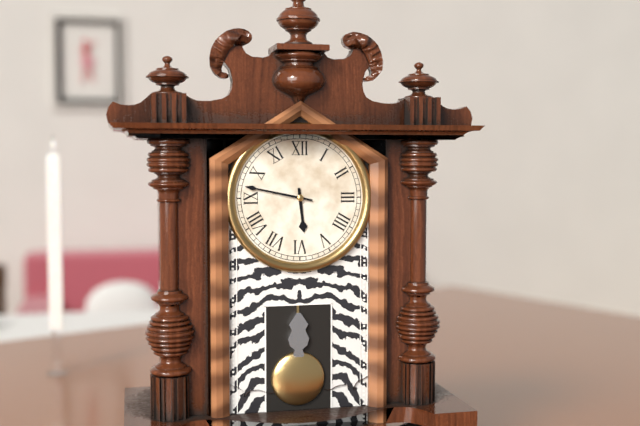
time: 5:47
